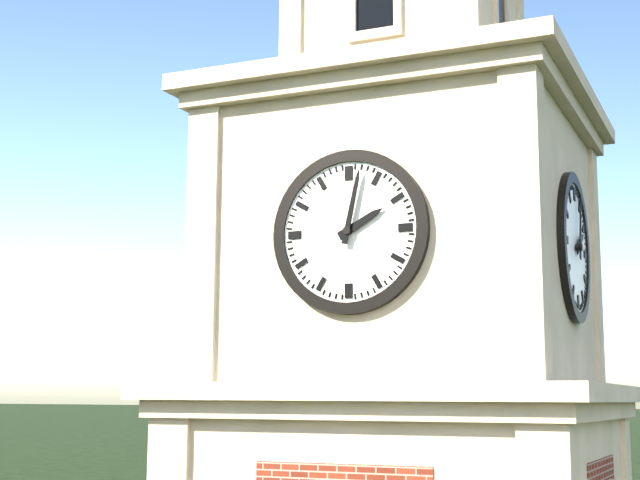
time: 2:02
